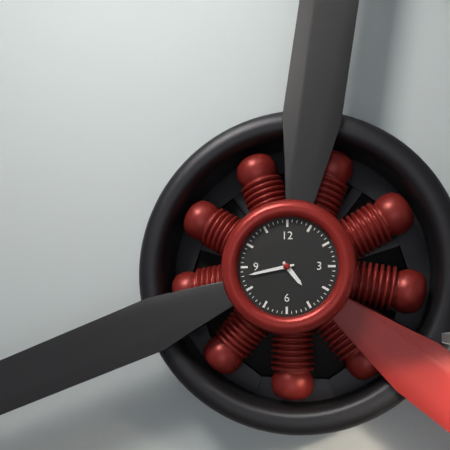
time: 4:43
